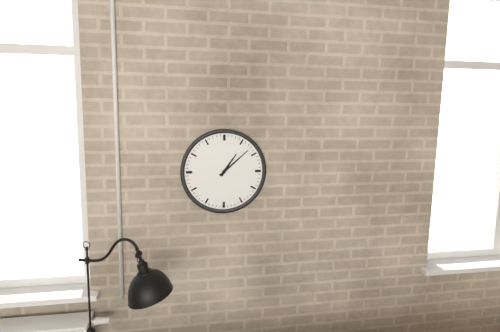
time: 1:08
